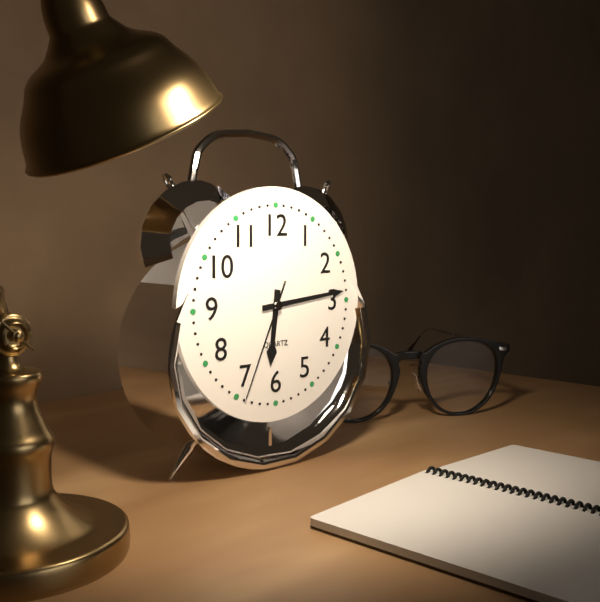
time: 6:14:34
